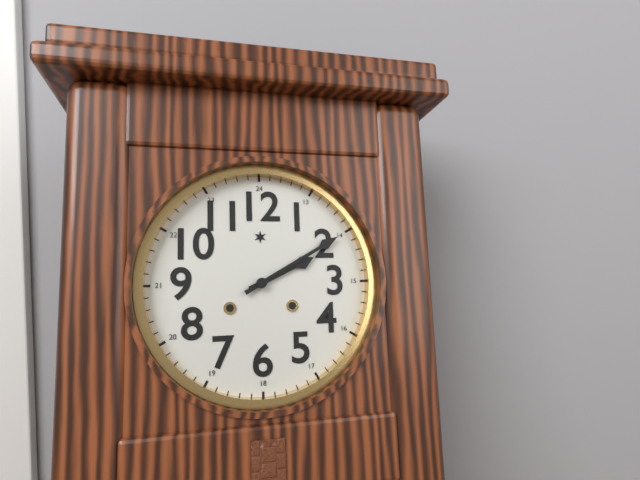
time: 2:10
